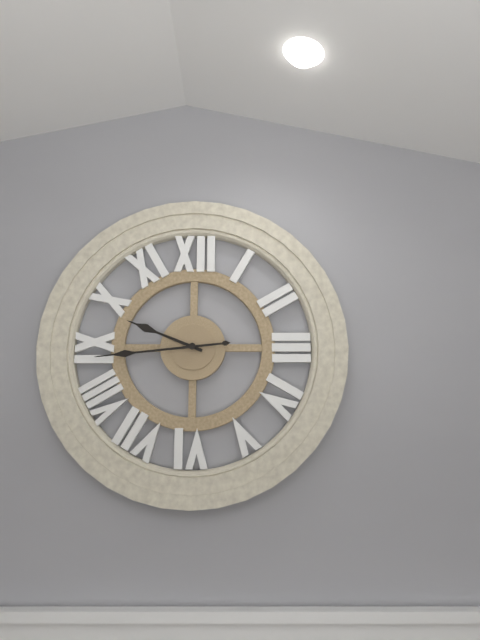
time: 9:44
